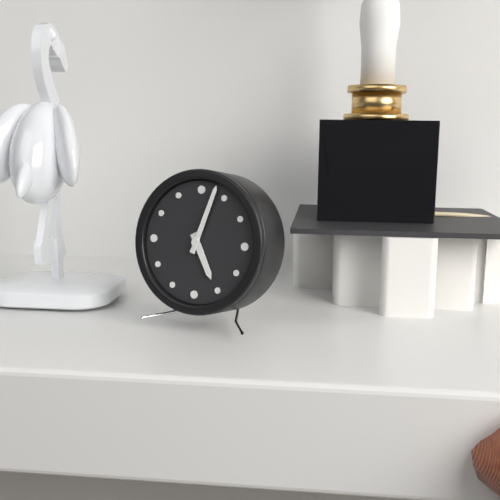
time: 5:03
